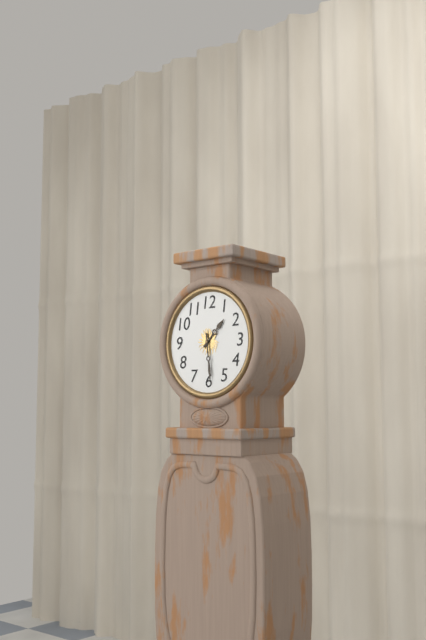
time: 1:29
